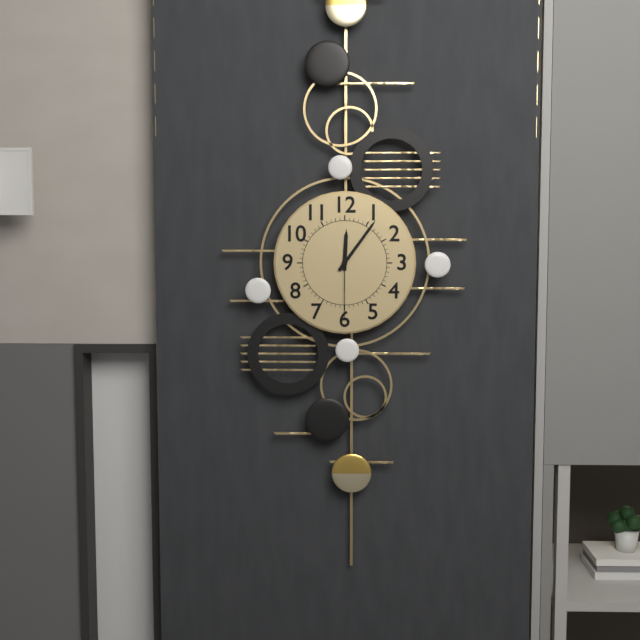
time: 12:06:30
